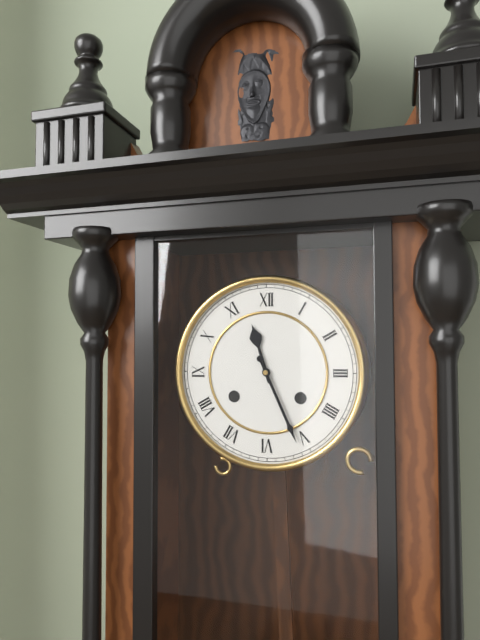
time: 11:26
